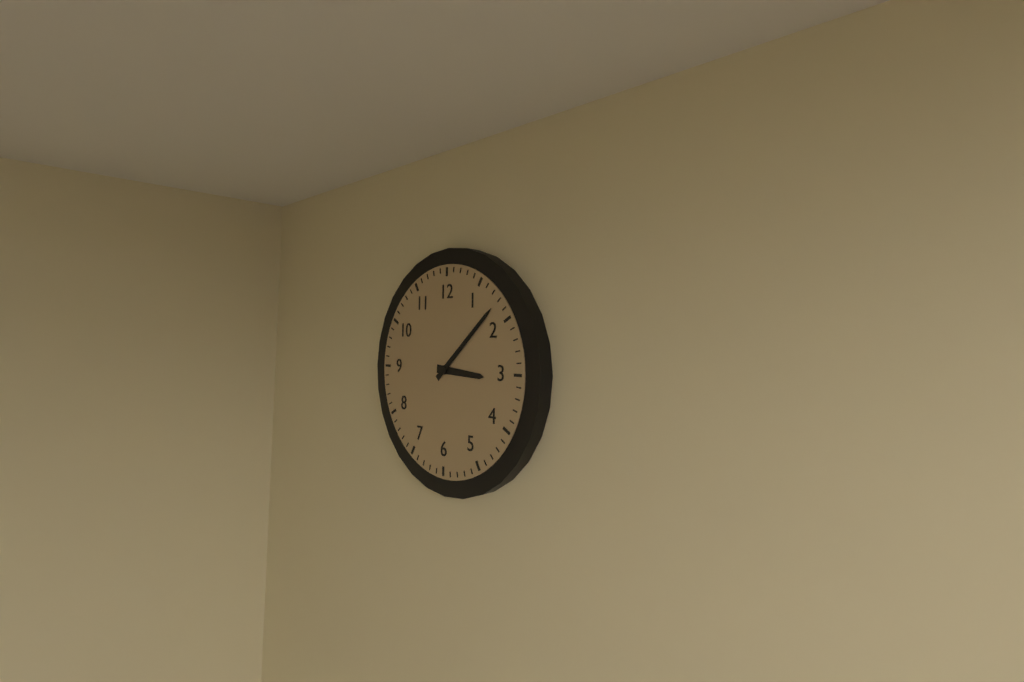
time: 3:08
